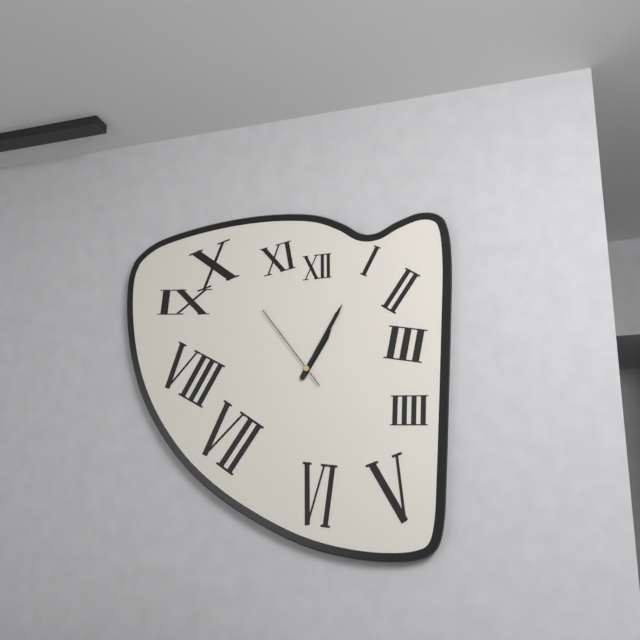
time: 1:05:54
